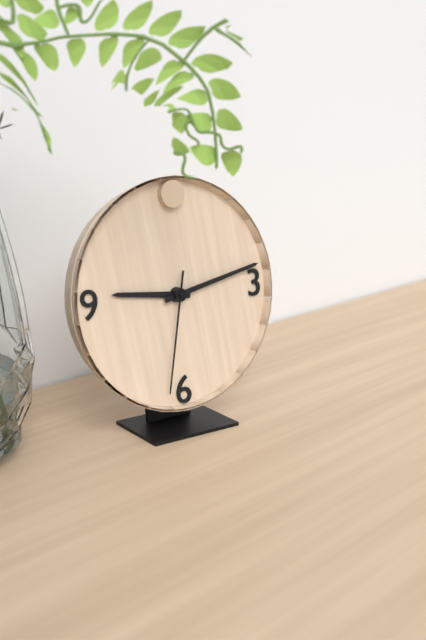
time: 9:13:32
